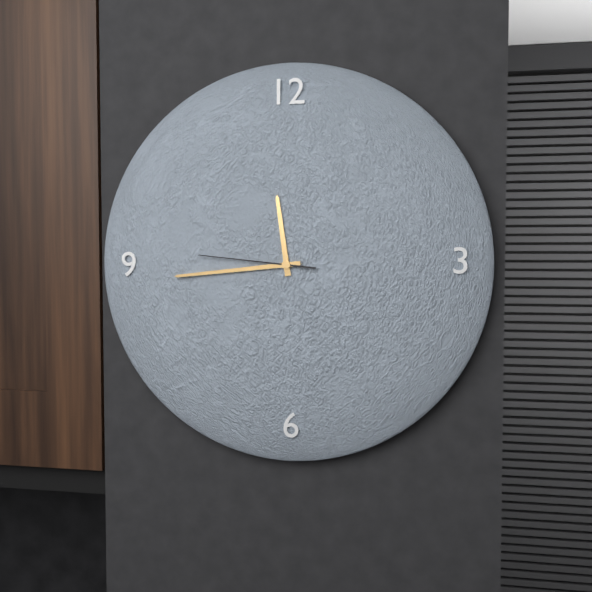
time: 11:44:46
